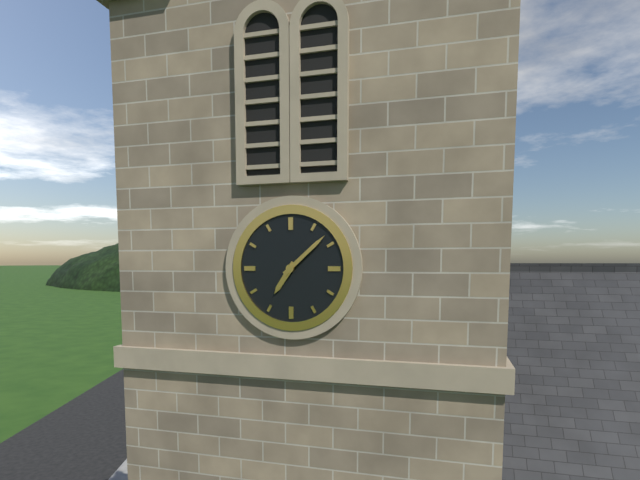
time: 7:08
